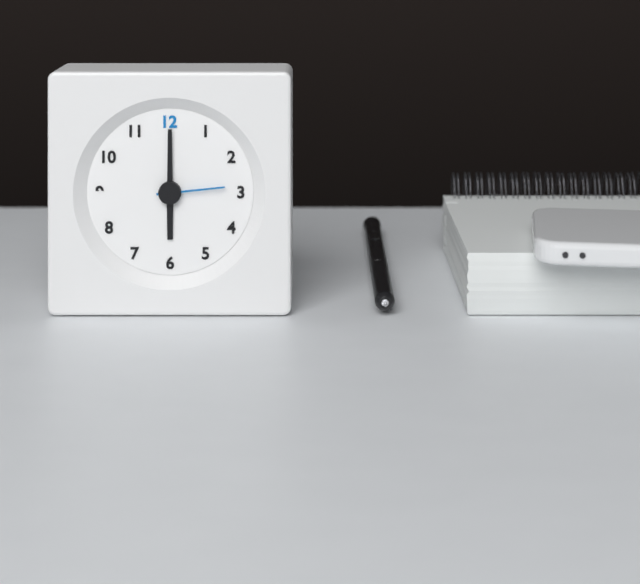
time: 6:00:14
